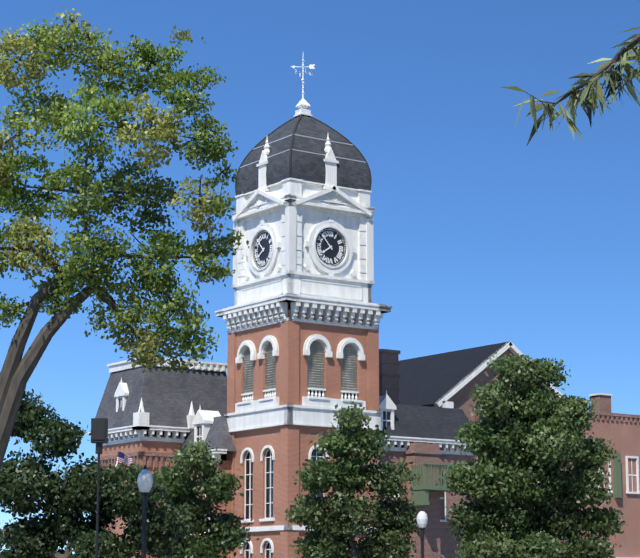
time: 7:53
